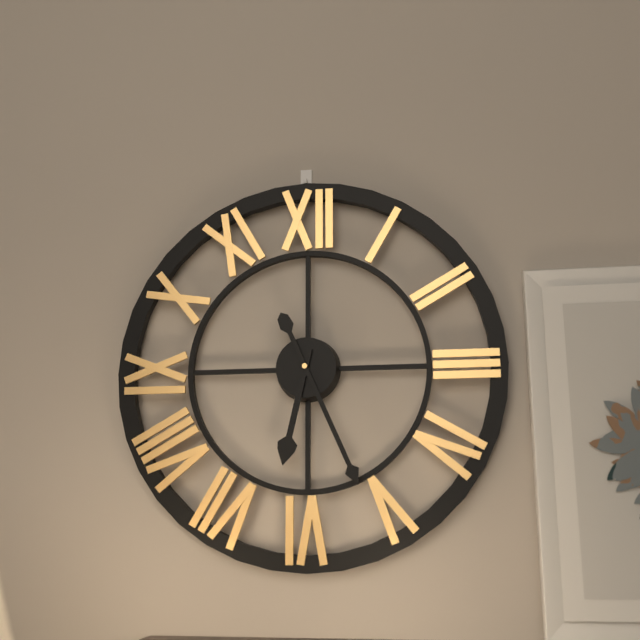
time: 6:26
